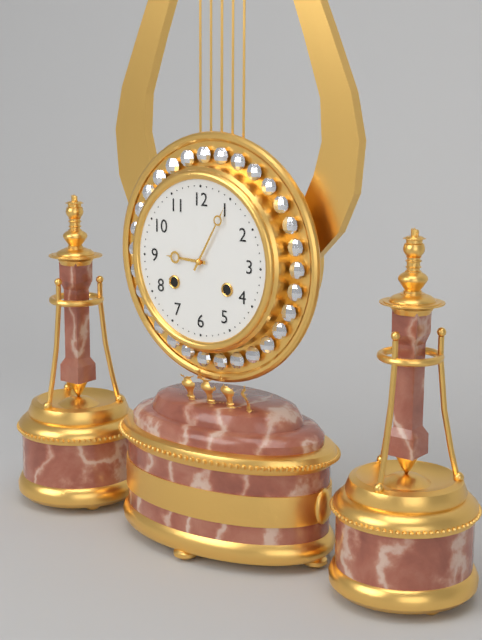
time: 9:05
